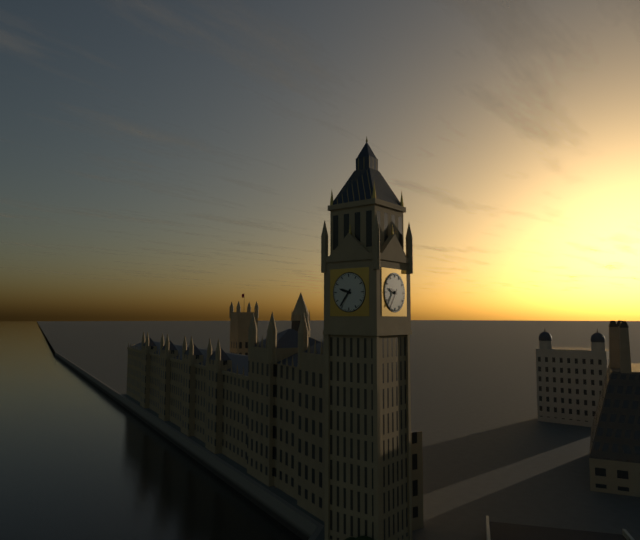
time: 9:36
